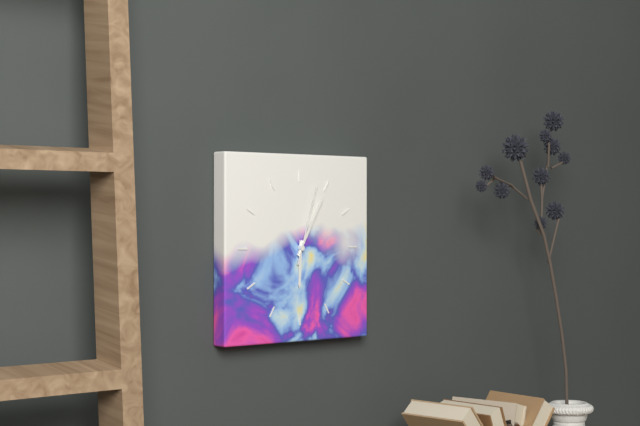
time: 6:05:03
